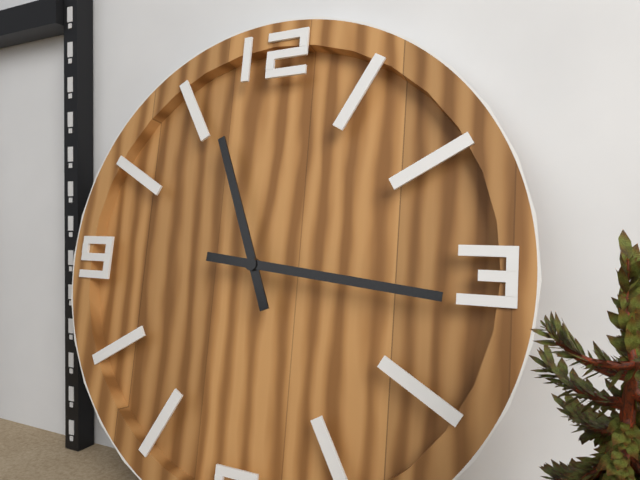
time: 11:16
